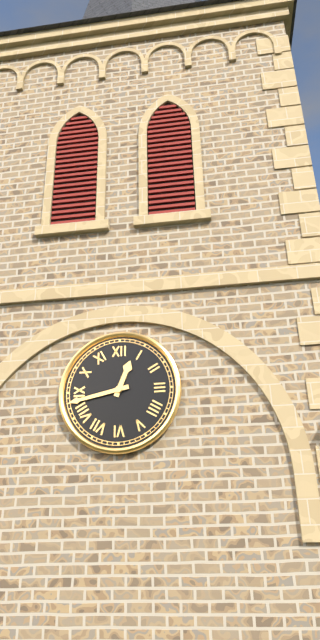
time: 12:43
